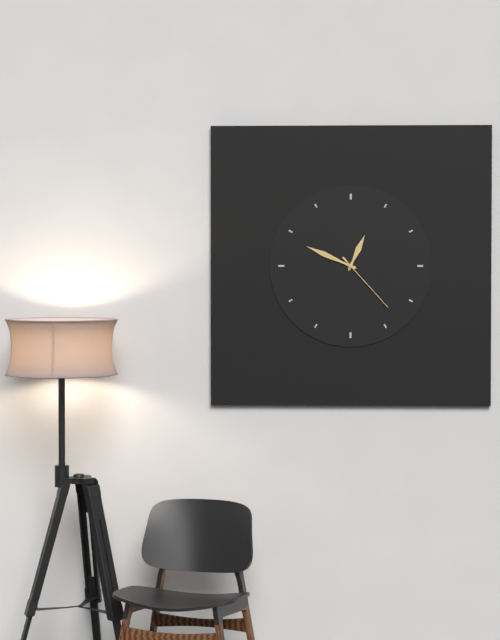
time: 12:49:23
